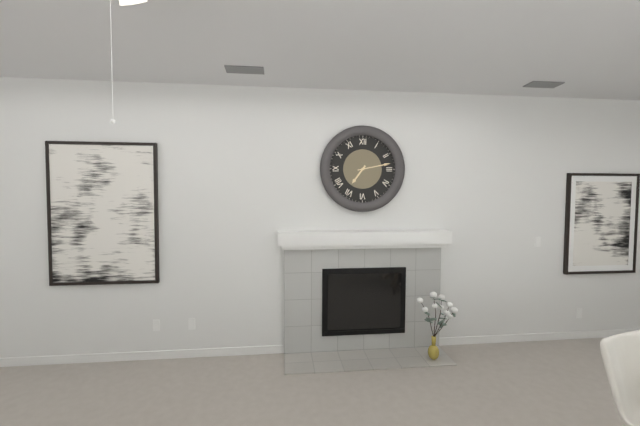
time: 7:13
